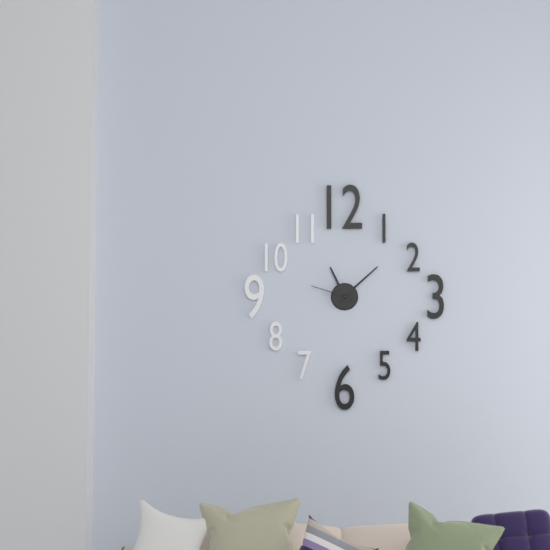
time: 11:08
